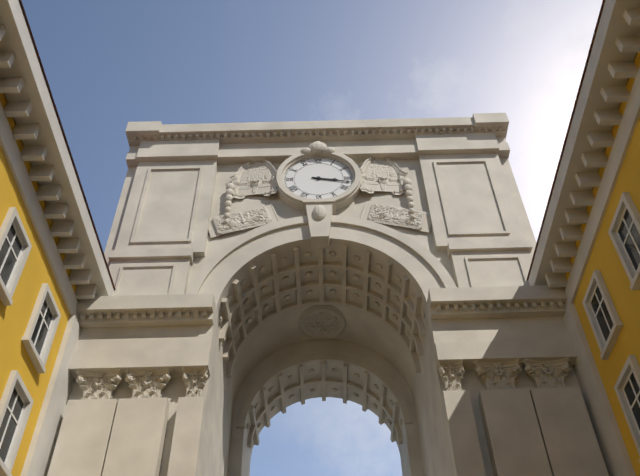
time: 3:17
